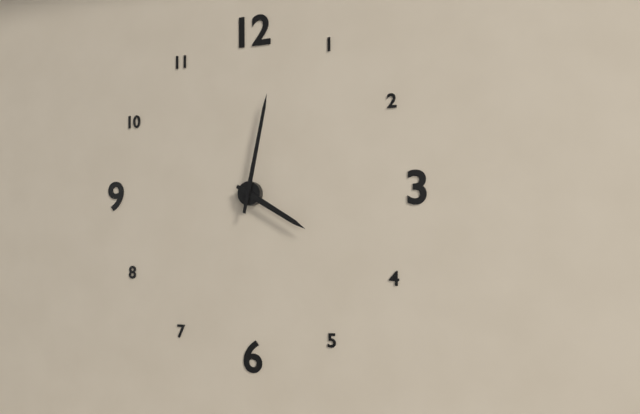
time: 4:02
